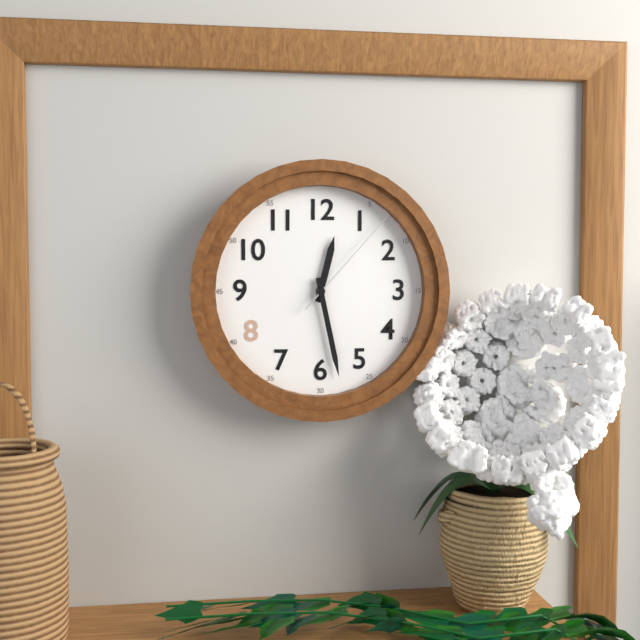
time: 12:28:07
